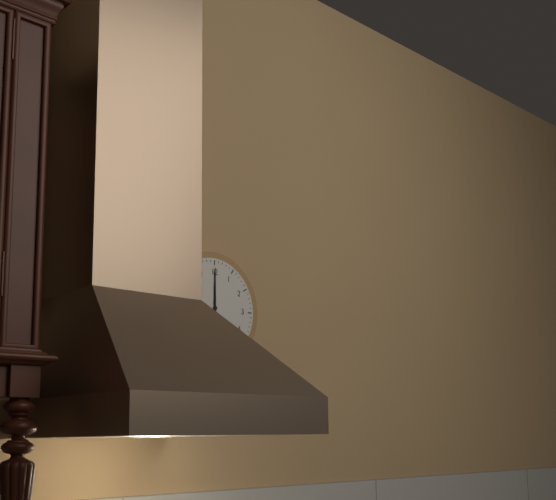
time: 12:00
